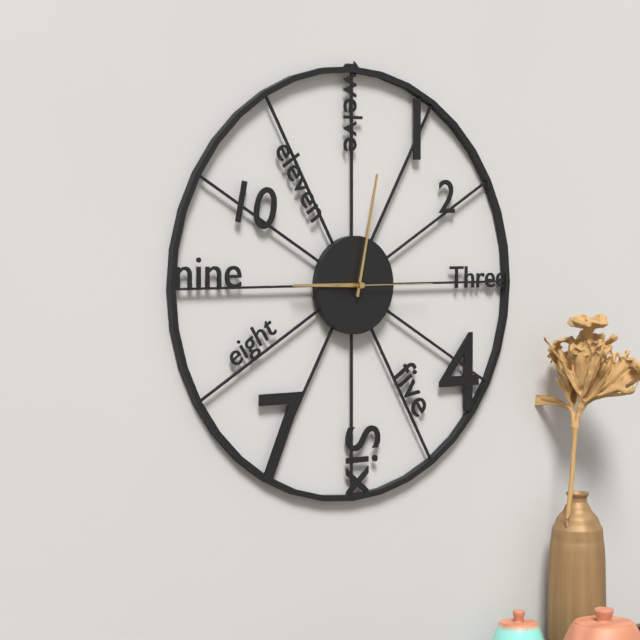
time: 9:02:15
